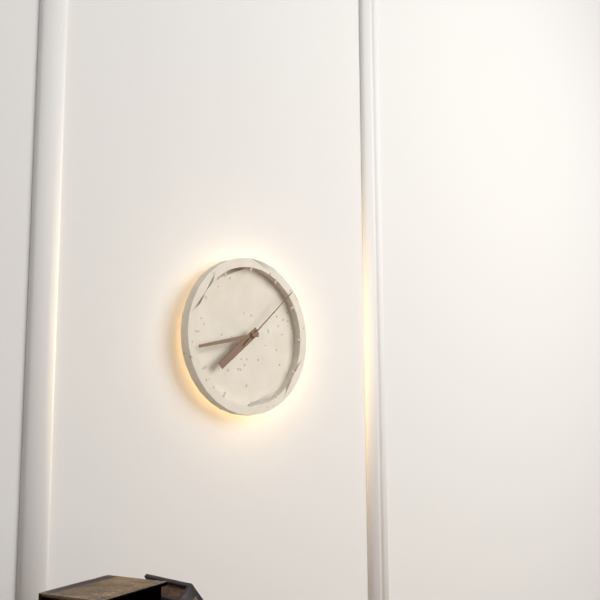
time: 7:43:08
